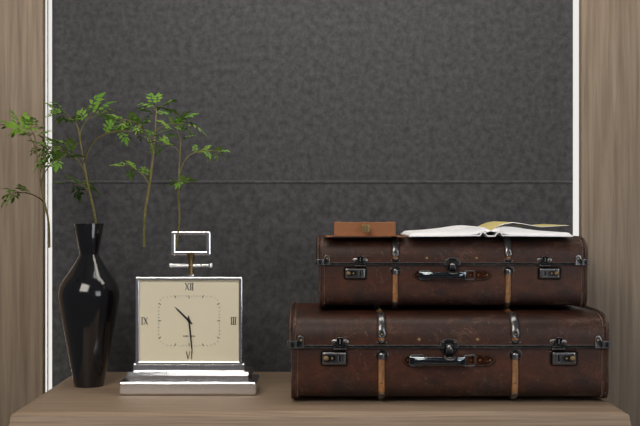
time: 10:29
